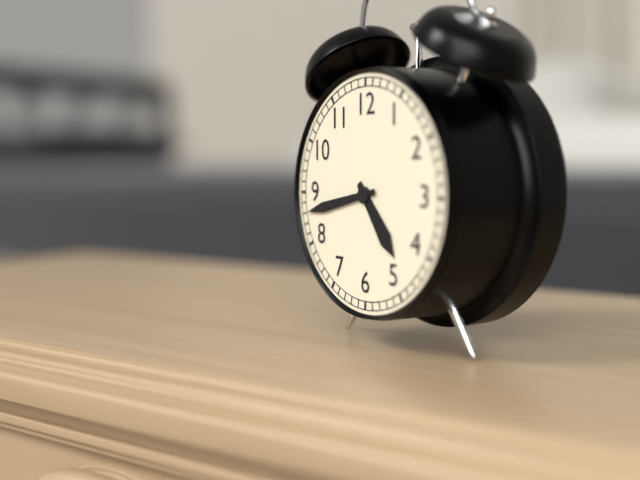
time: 4:43
